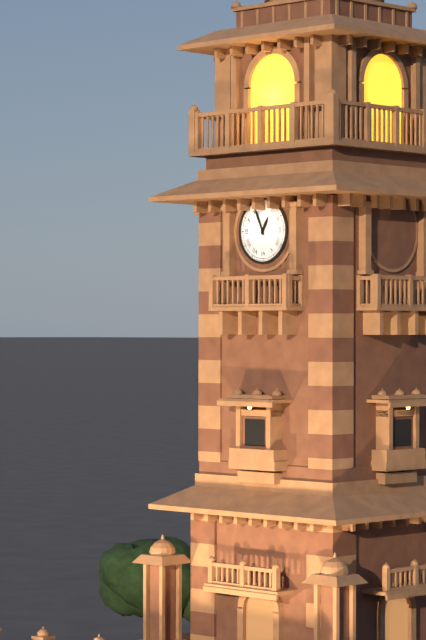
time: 12:56
